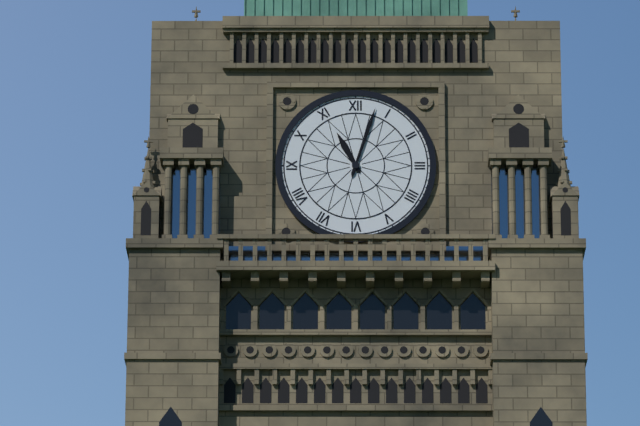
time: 11:03
